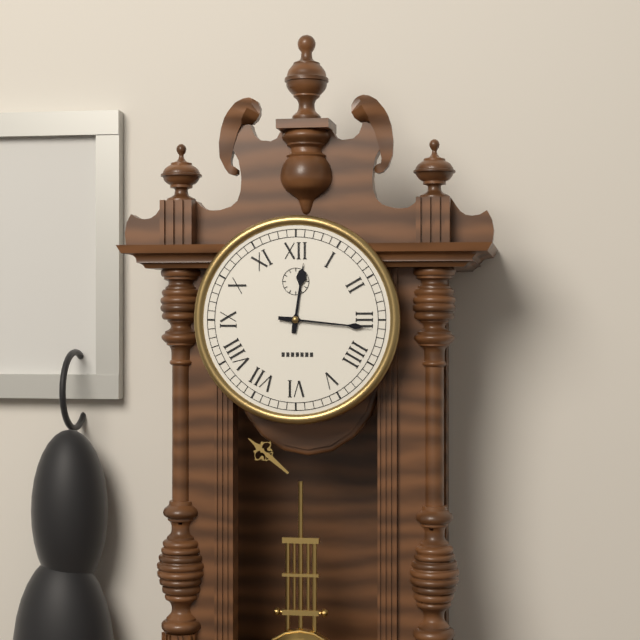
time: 12:16
